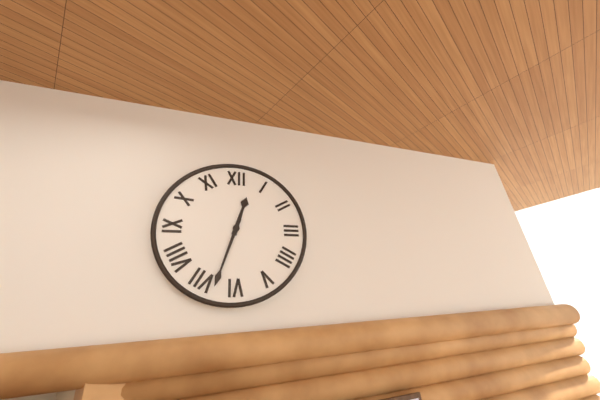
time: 12:33
